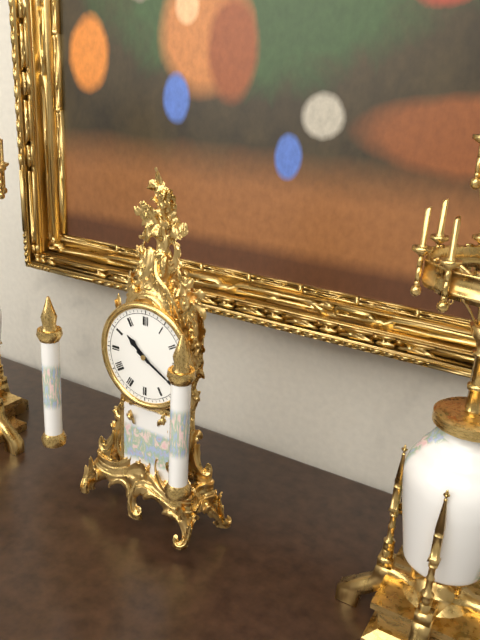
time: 10:20
